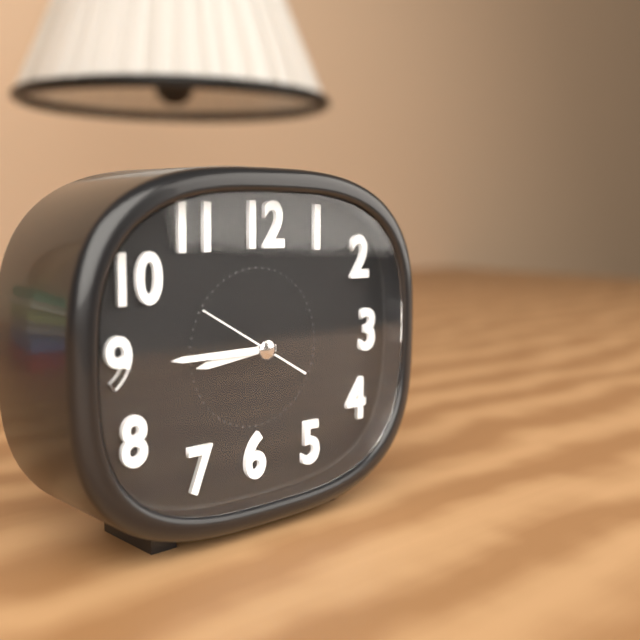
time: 8:45:50
